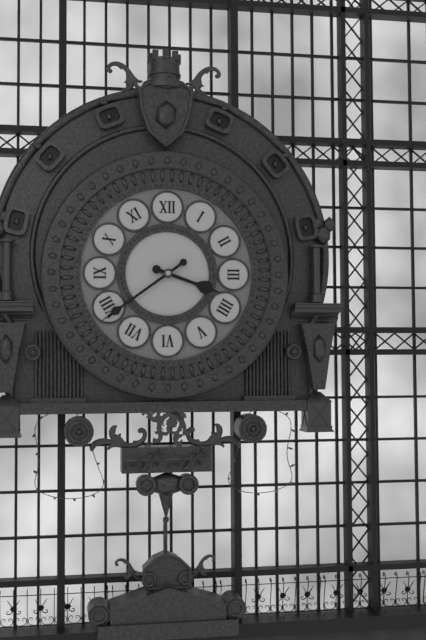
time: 3:39
